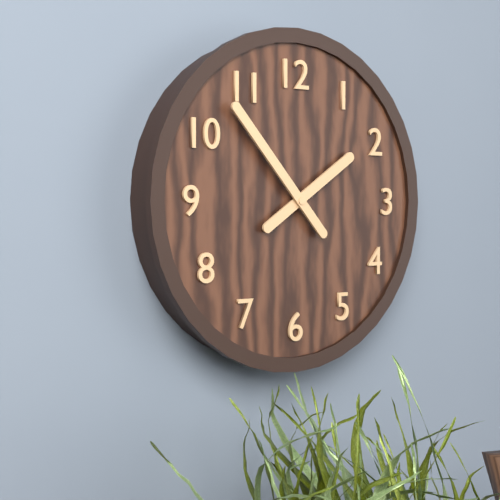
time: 1:53
